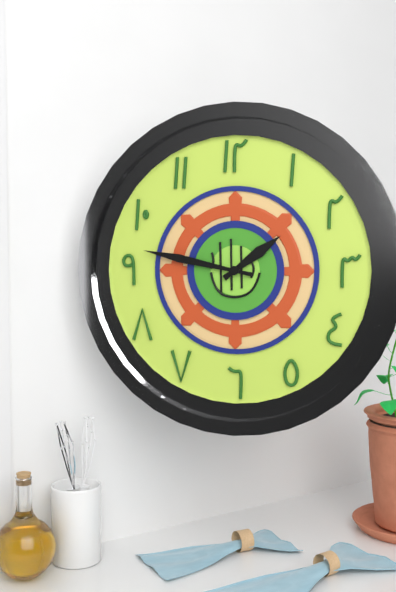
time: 1:47
